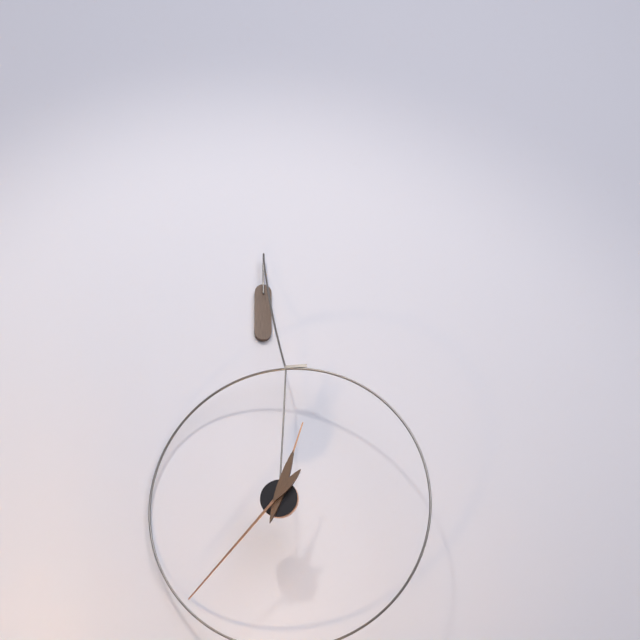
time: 12:37
